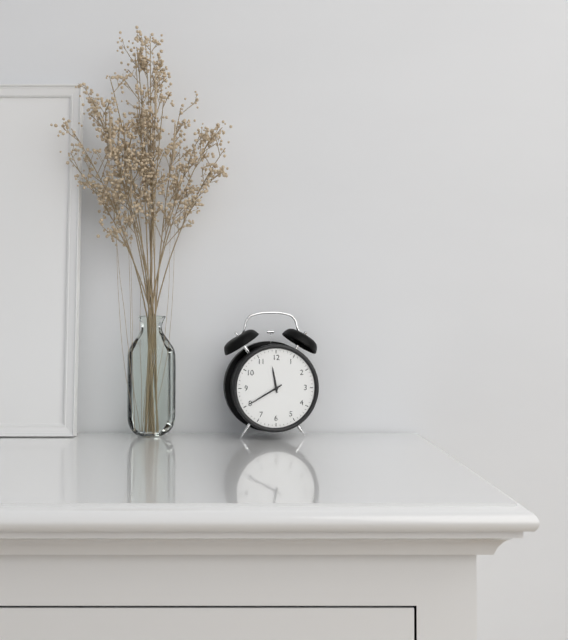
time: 11:40
